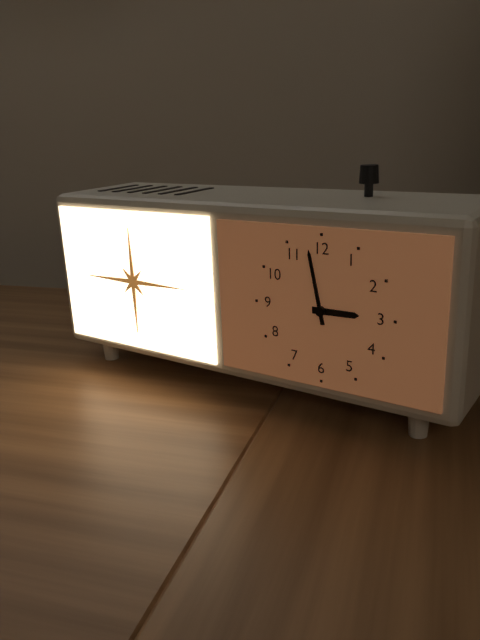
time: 2:58
